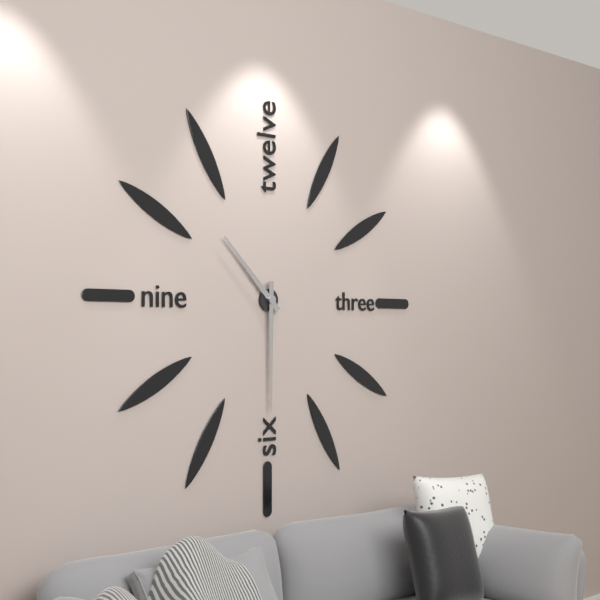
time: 10:30
